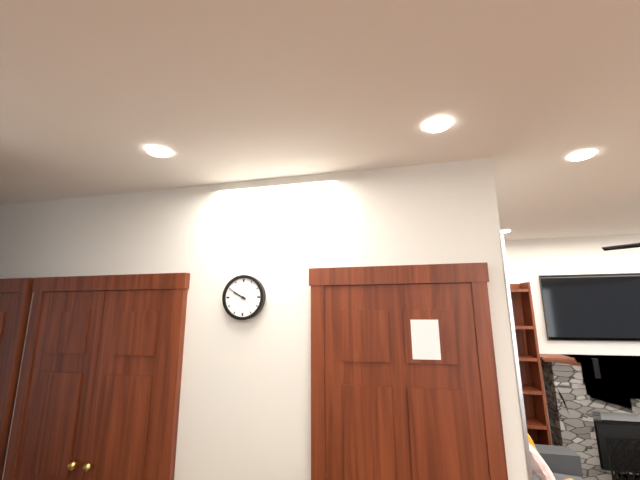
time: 9:50
